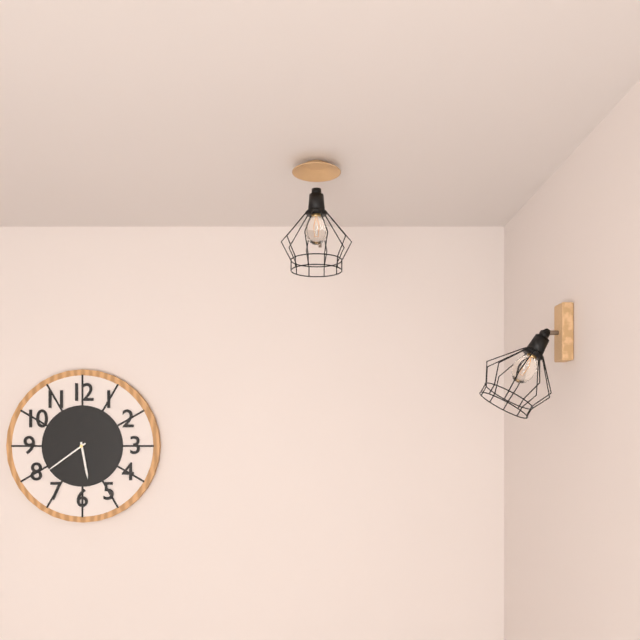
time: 5:39
